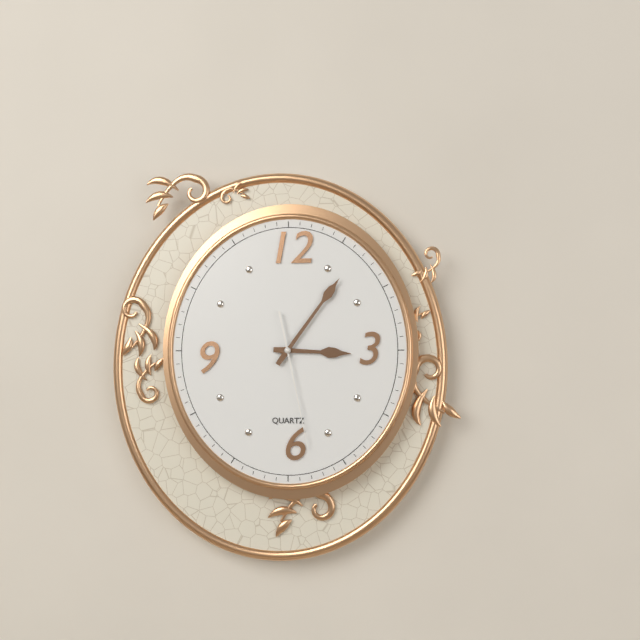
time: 3:06:28
